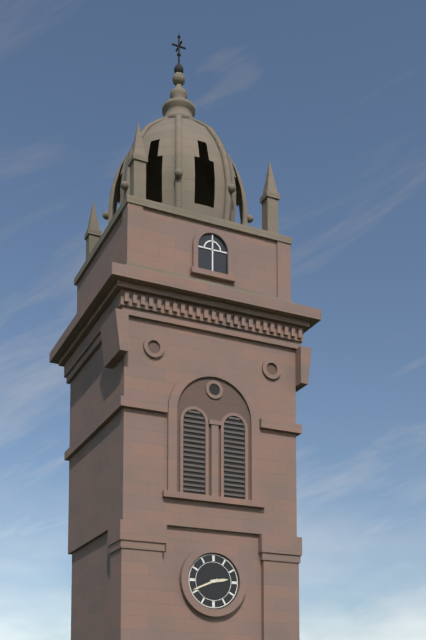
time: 2:41
